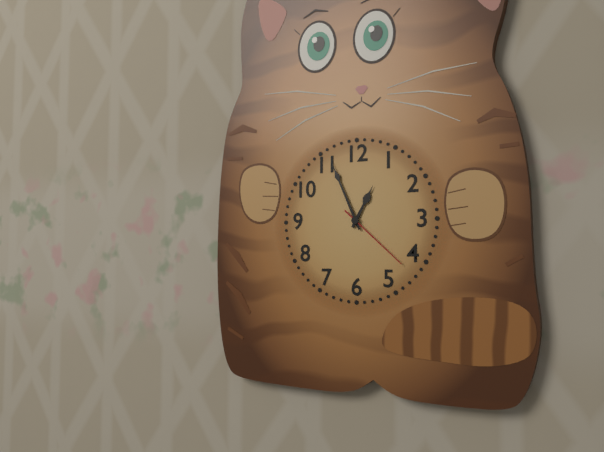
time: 12:56:22
